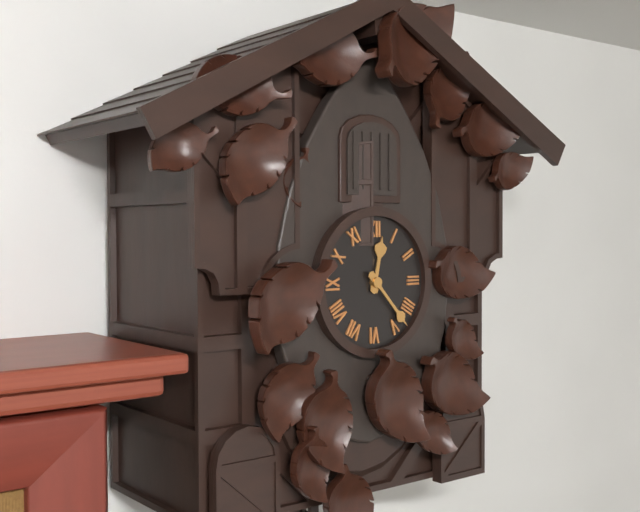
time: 12:23
